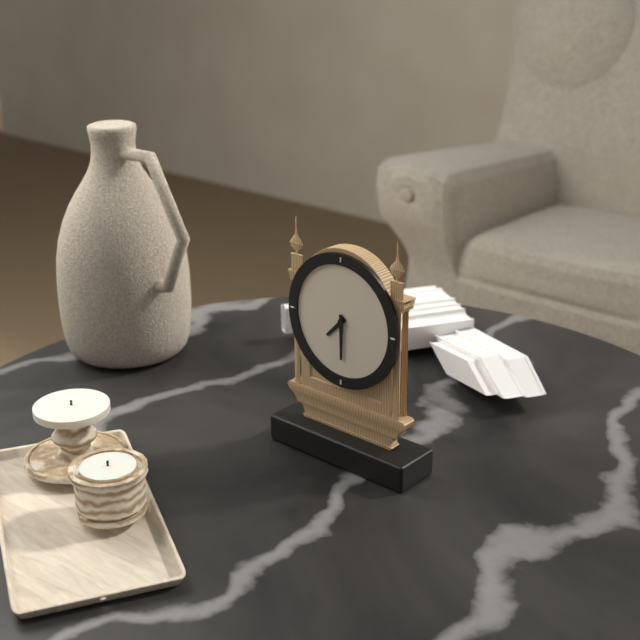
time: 7:30
